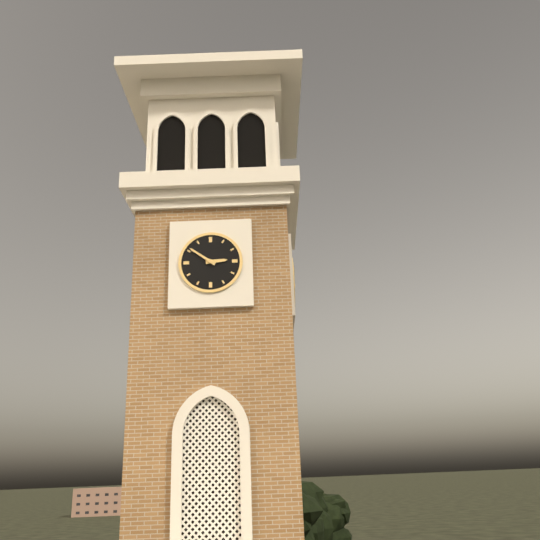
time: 2:51
